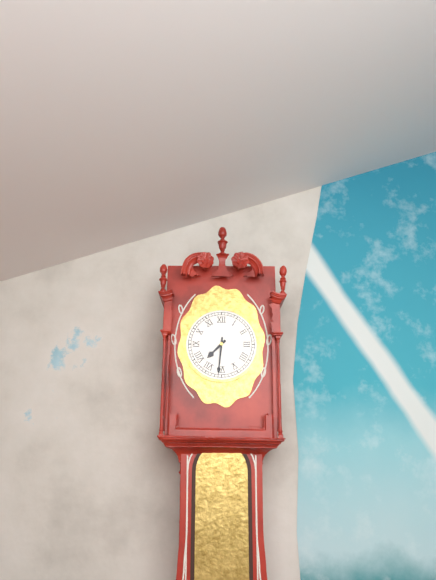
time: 7:31
